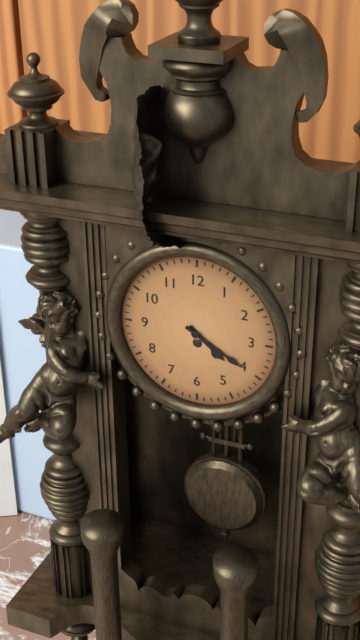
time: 4:20
